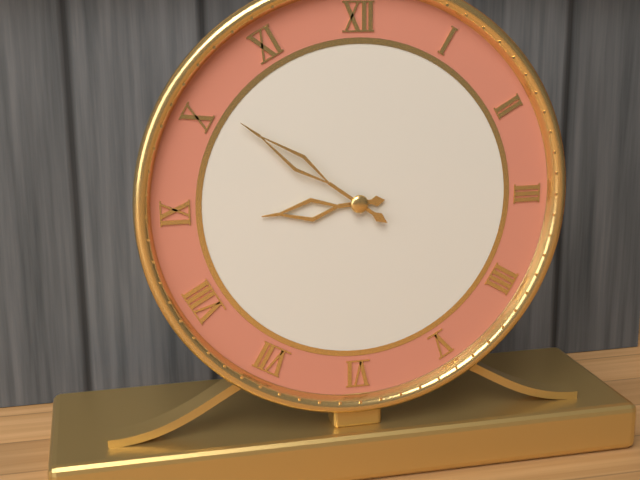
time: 8:51
